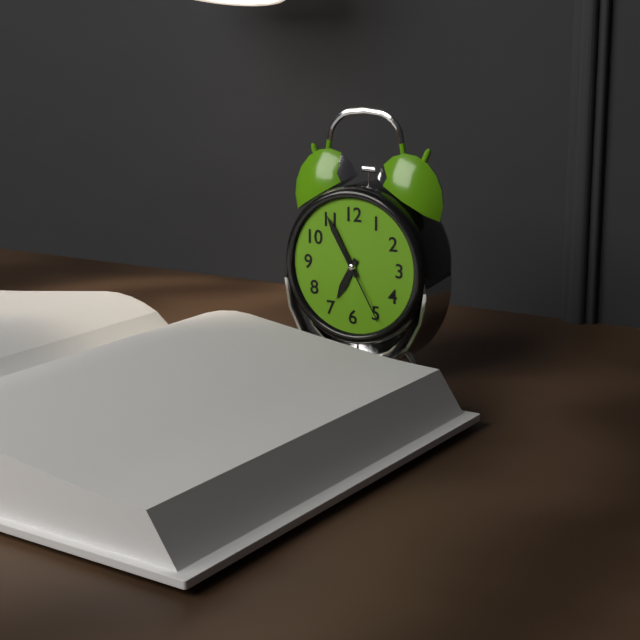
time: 6:55:25
